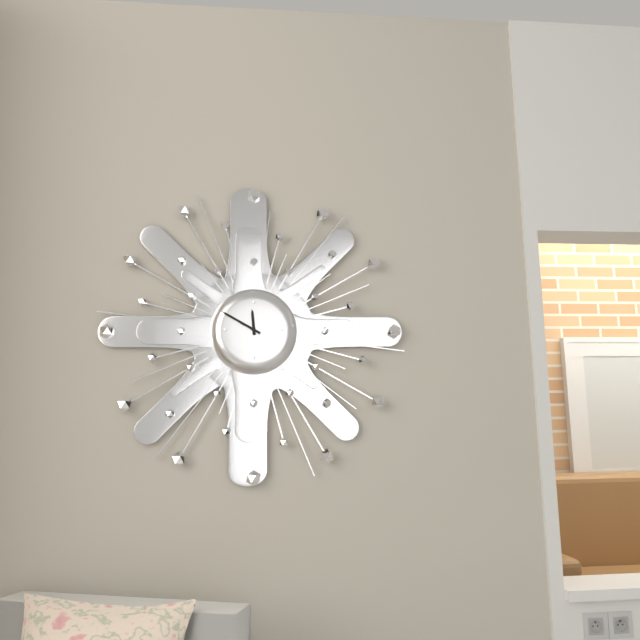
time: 11:50
